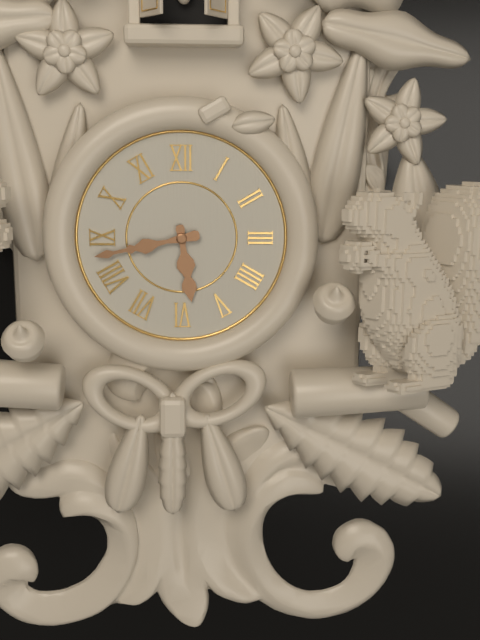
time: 5:43
